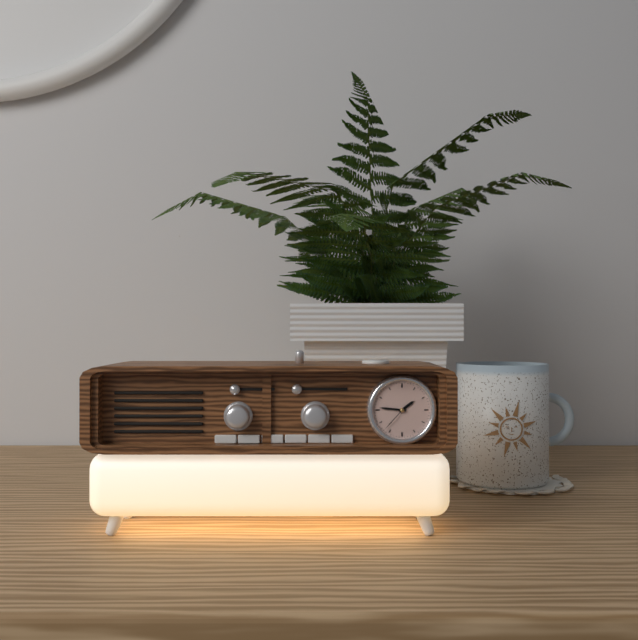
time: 1:46
